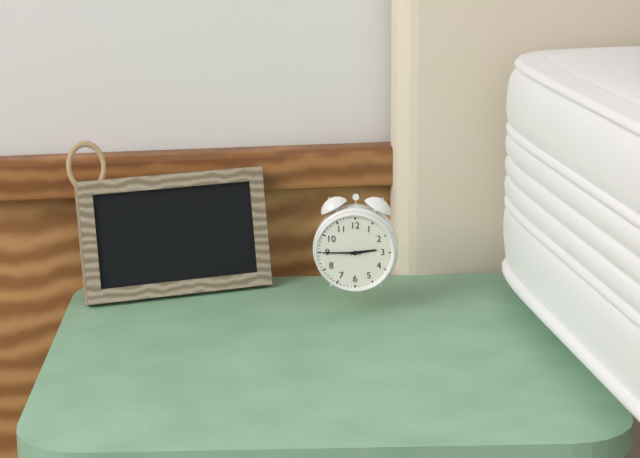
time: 2:45
